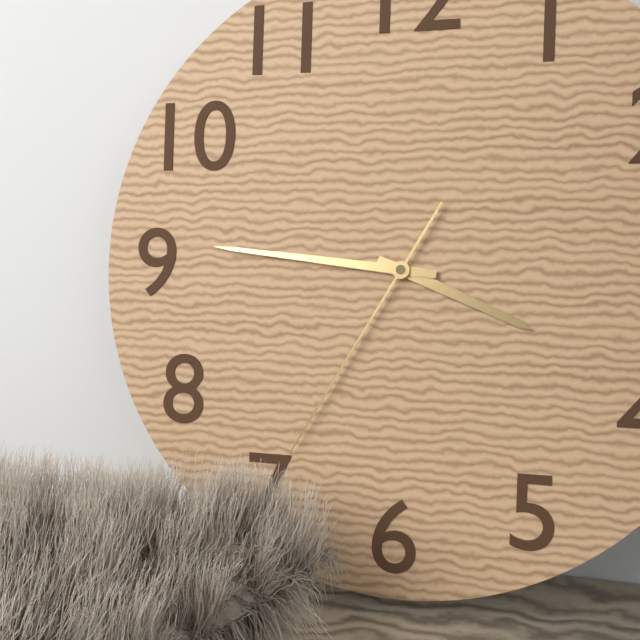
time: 3:46:35
